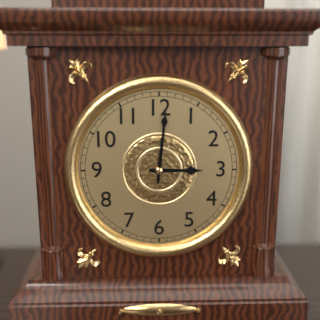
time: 3:01
